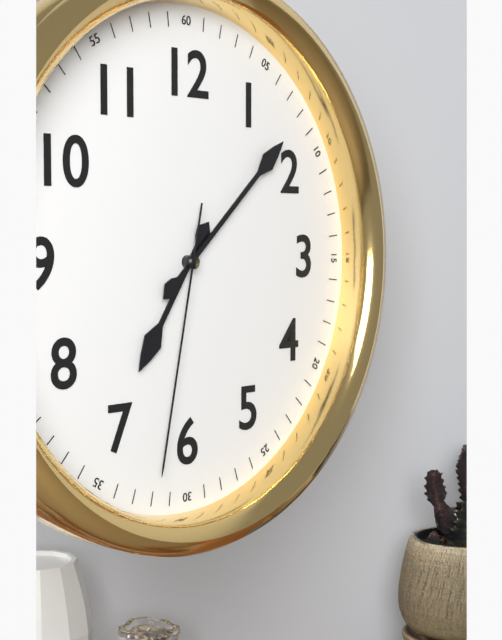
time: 7:08:32
